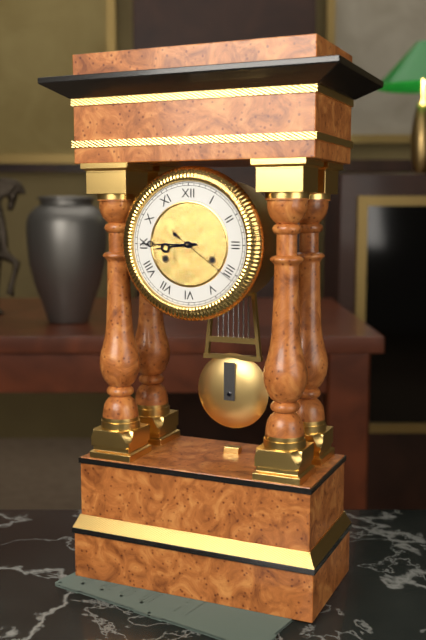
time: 8:45:21
